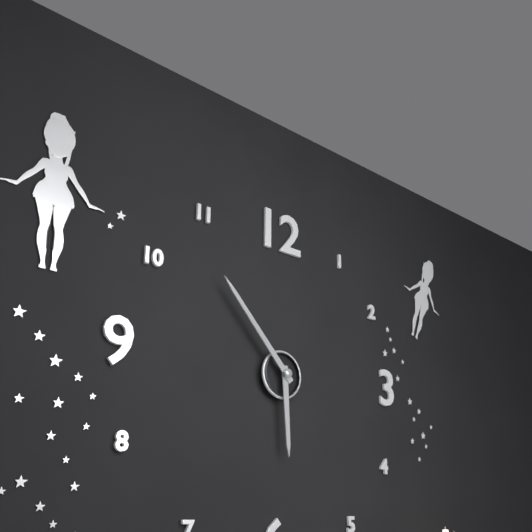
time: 5:53
